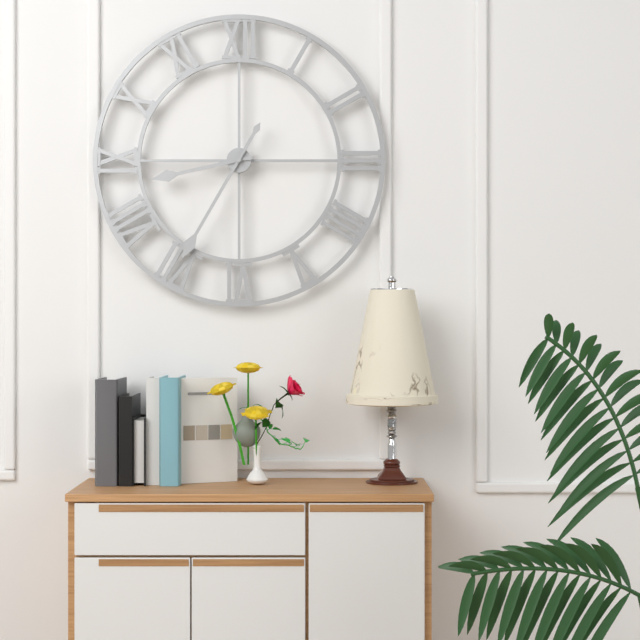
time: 8:35
